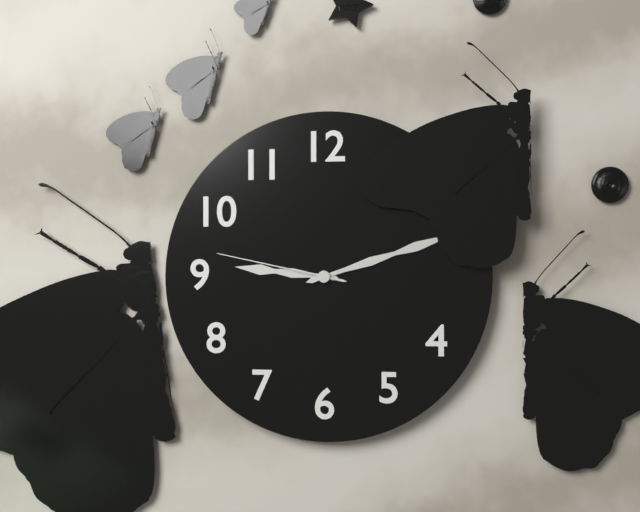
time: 9:12:47
